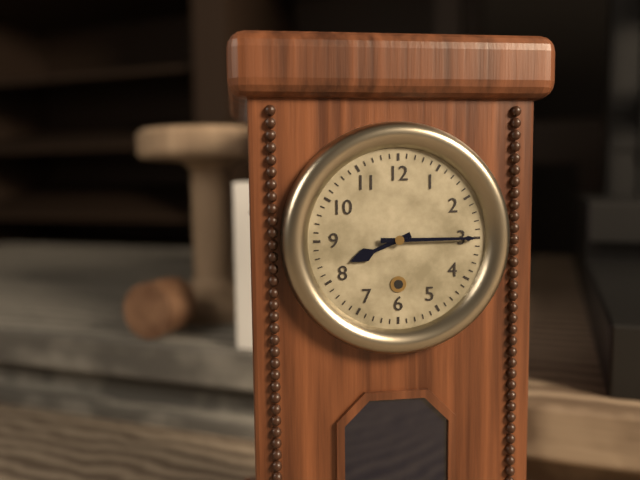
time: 8:15
